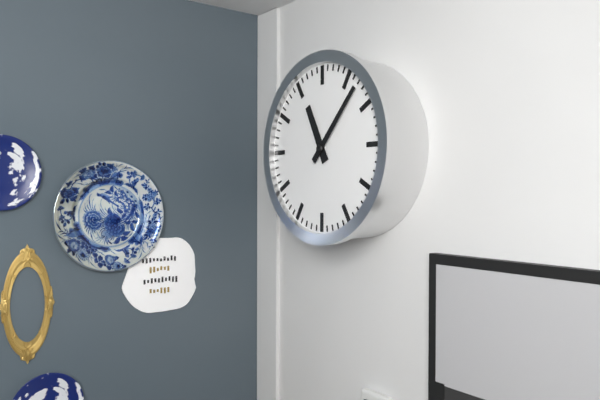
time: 11:07
